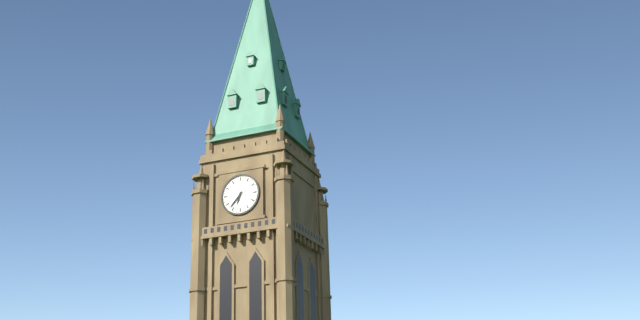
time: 6:37
